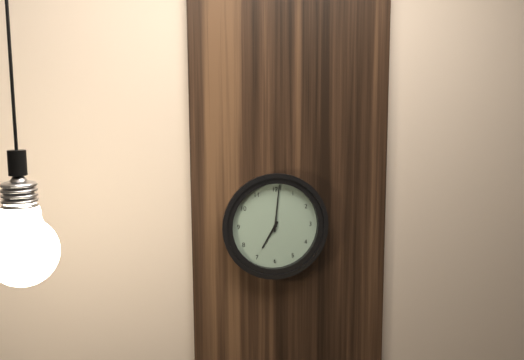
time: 7:01
